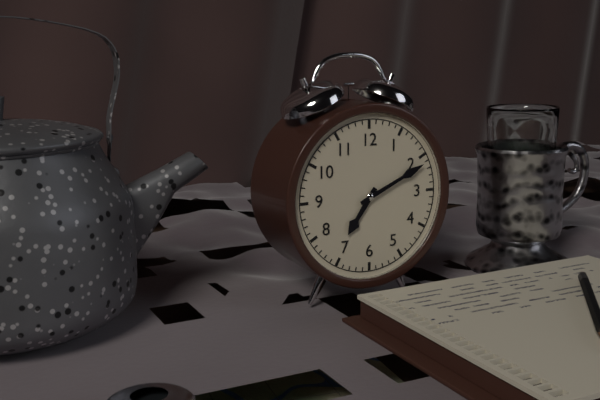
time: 7:11
